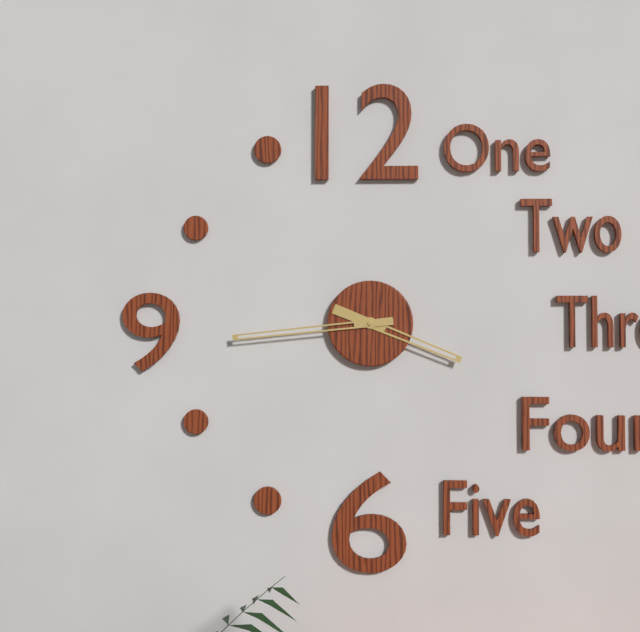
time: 3:44
